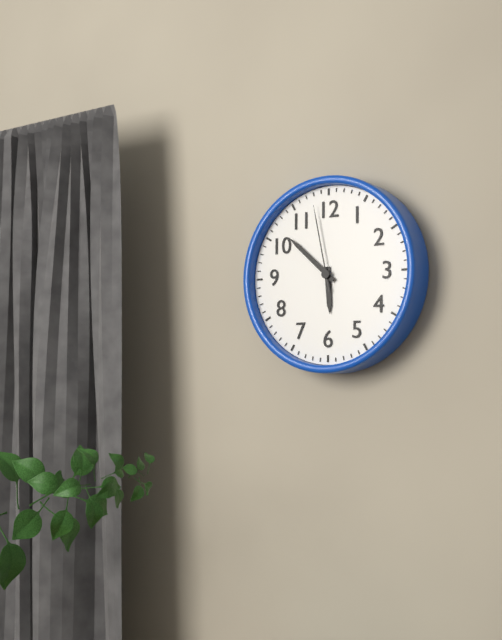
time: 5:52:58
